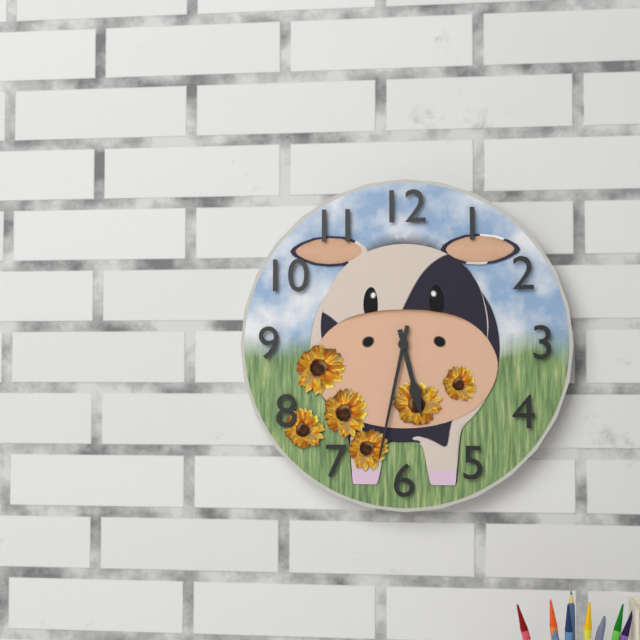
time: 5:32
